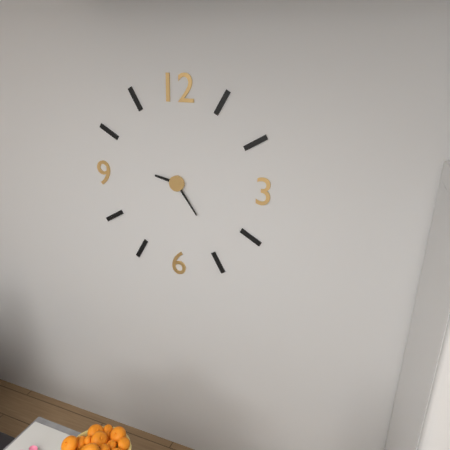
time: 9:24
